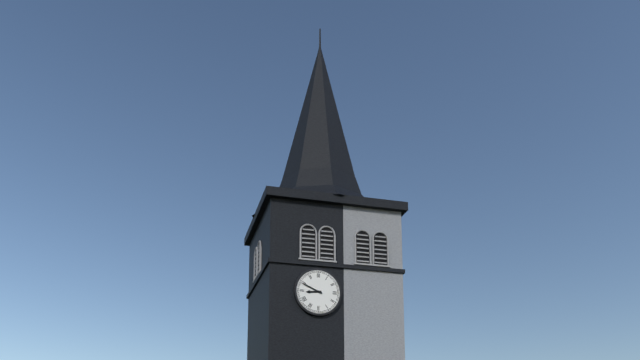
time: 8:49
